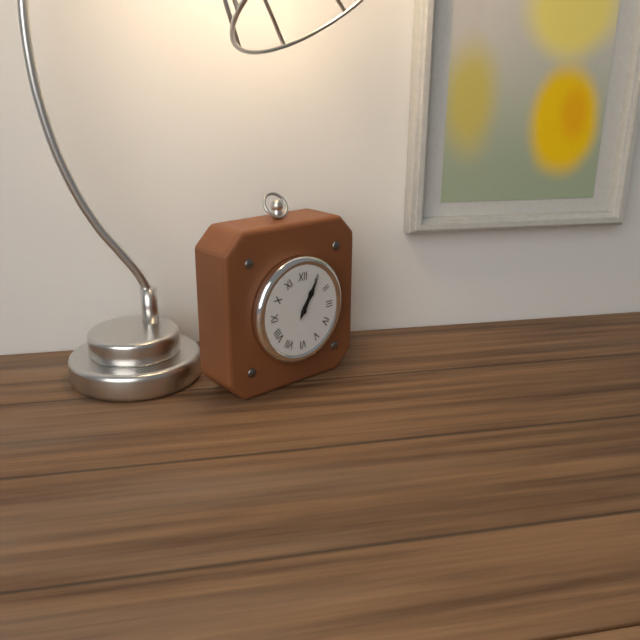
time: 1:05
